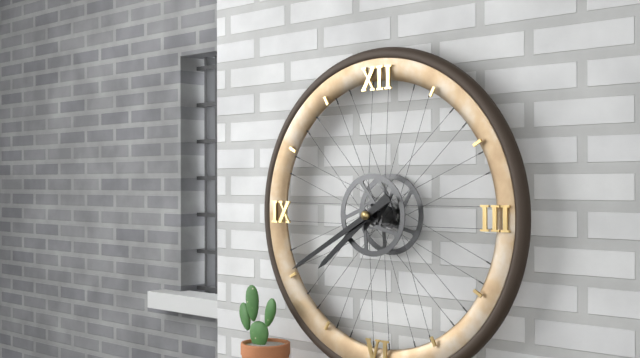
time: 7:40
